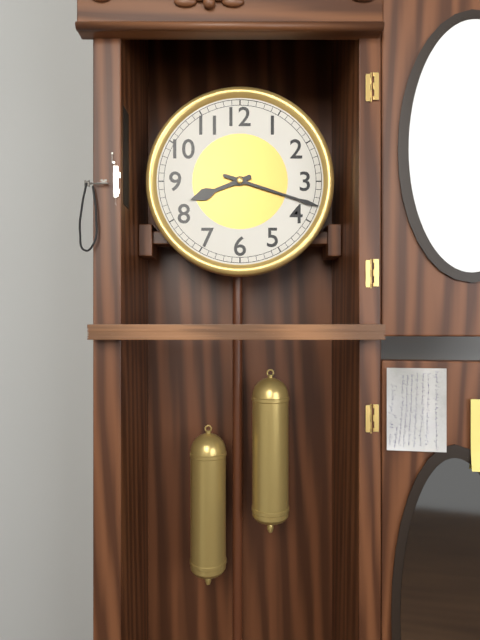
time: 8:18
